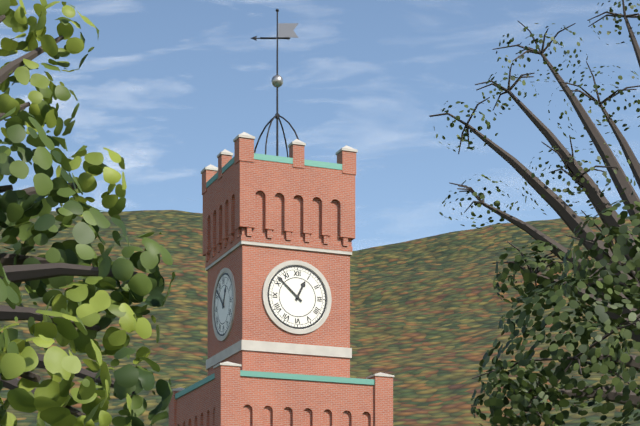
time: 12:52
